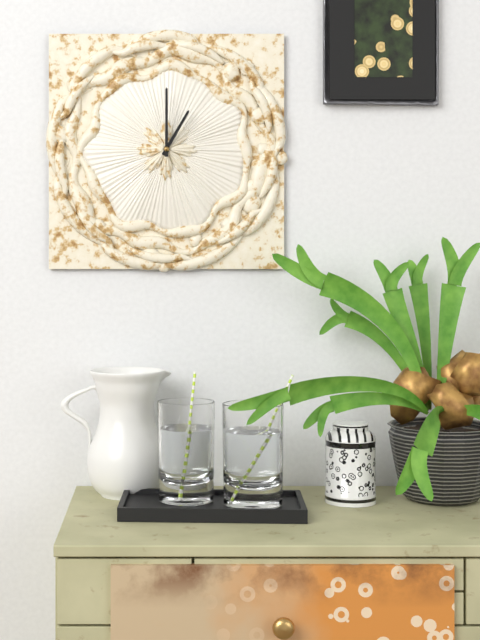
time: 1:00
